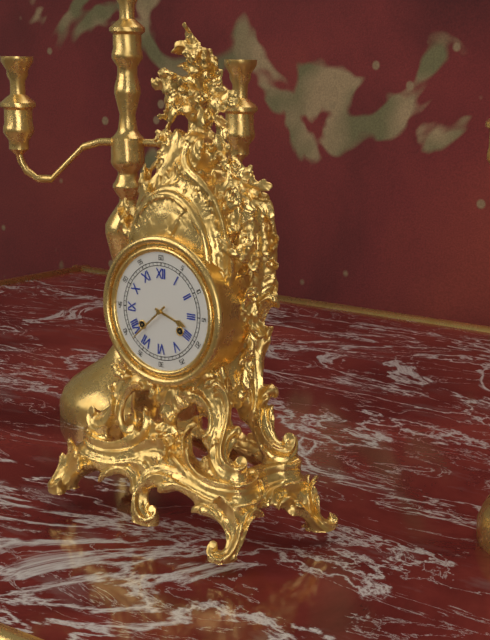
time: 3:38
